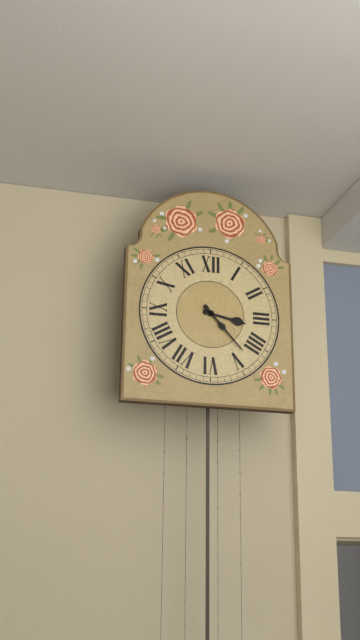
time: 3:23
